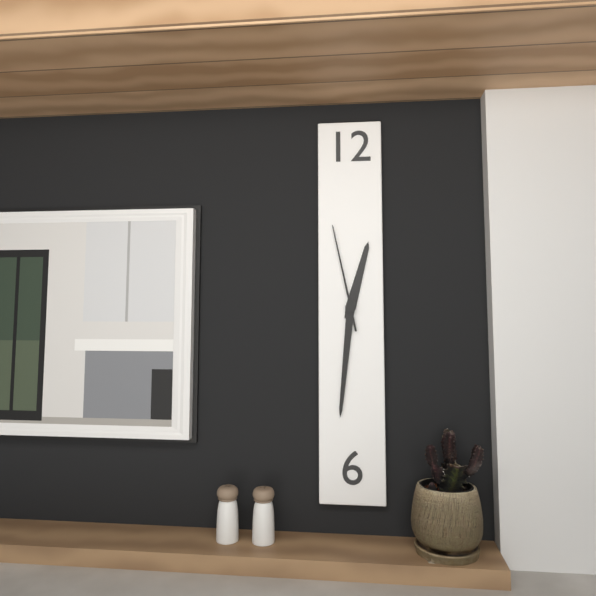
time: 12:31:58
